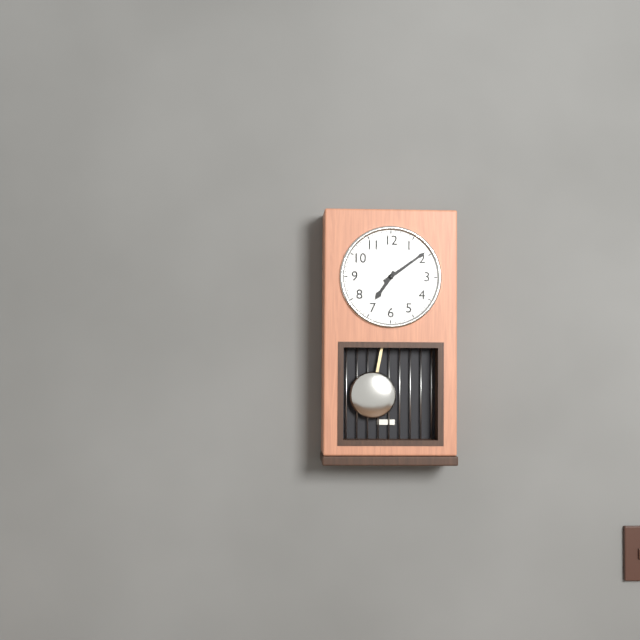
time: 7:09
